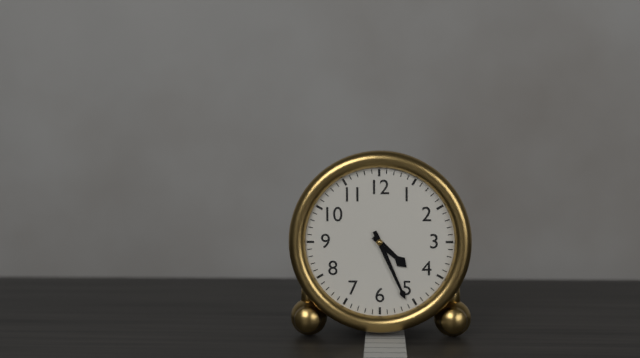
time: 4:26
